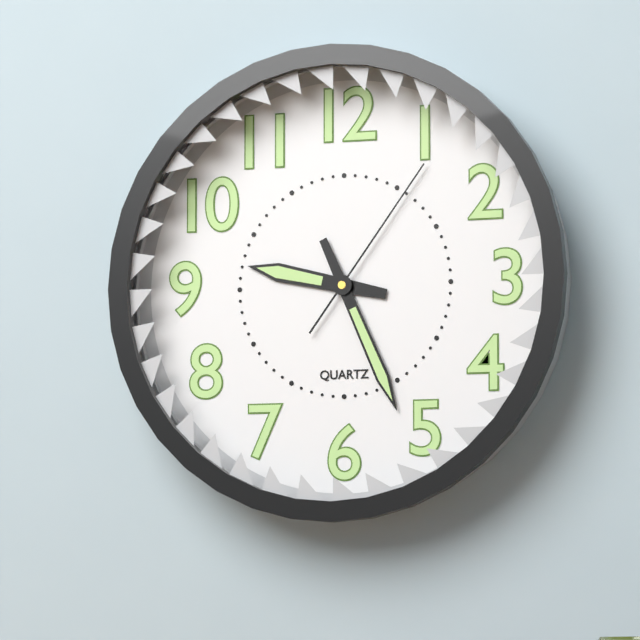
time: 9:26:06
